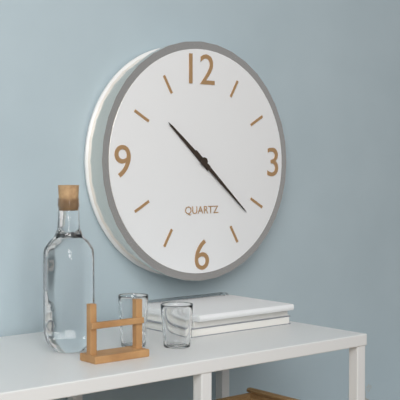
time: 10:22
